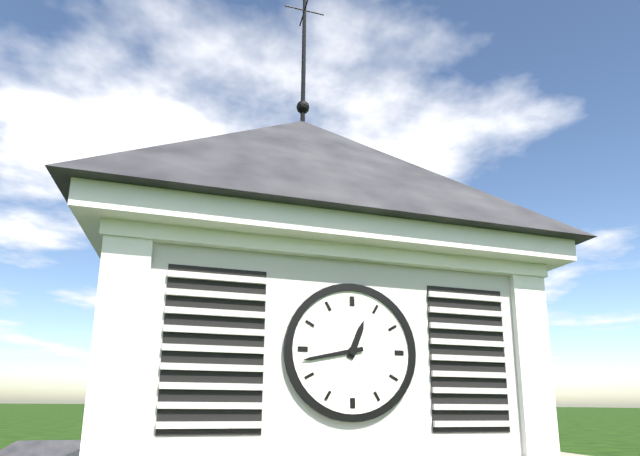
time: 12:43
